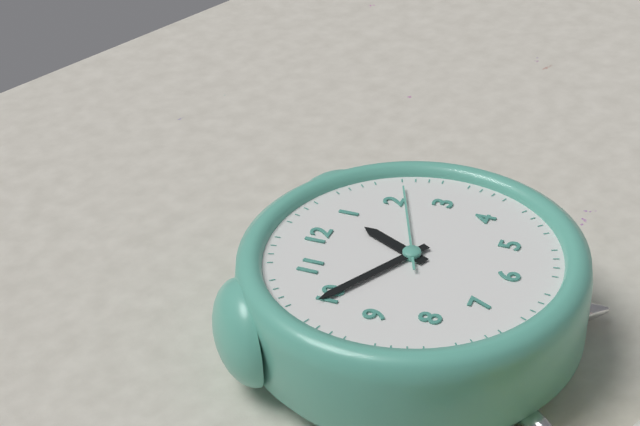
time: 12:50:11
